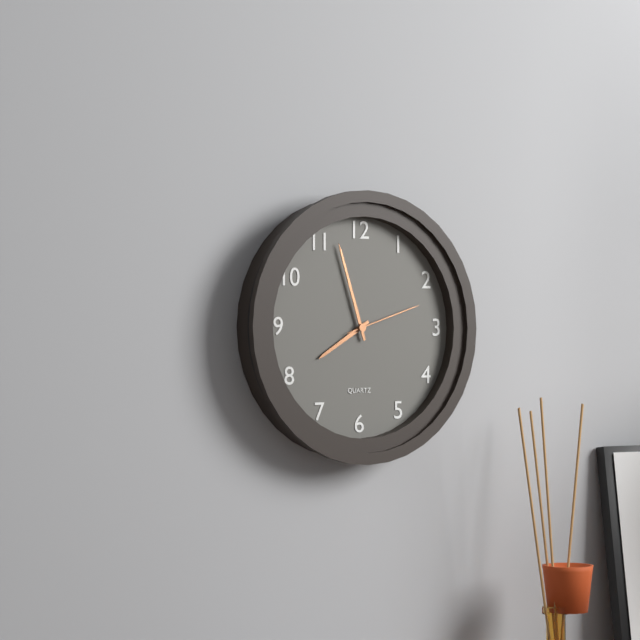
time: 7:57:12
